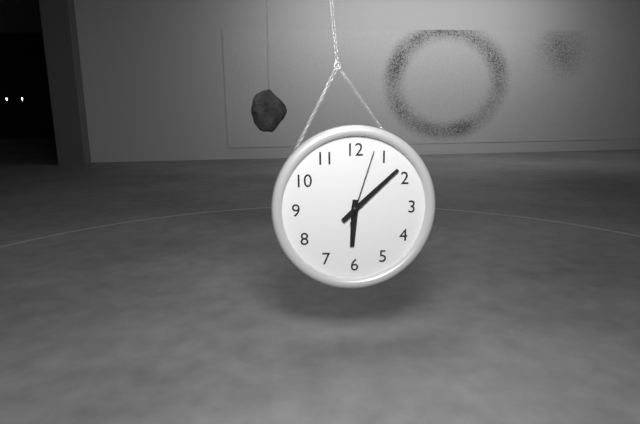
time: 6:08:03
